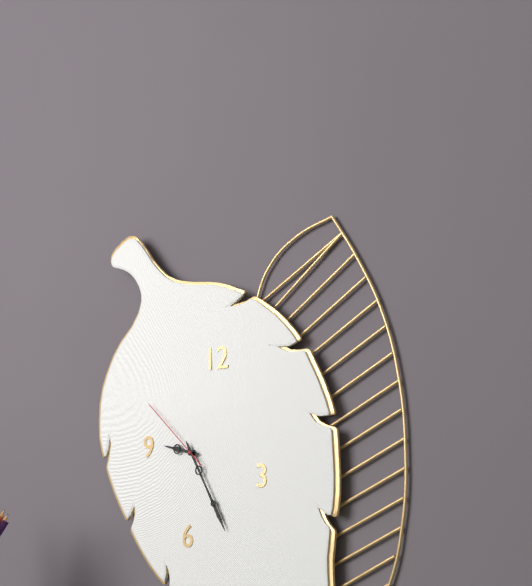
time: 9:25:52
